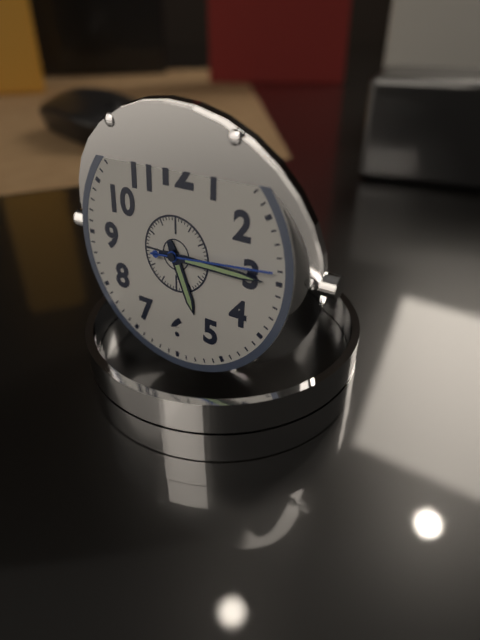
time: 5:15:14
